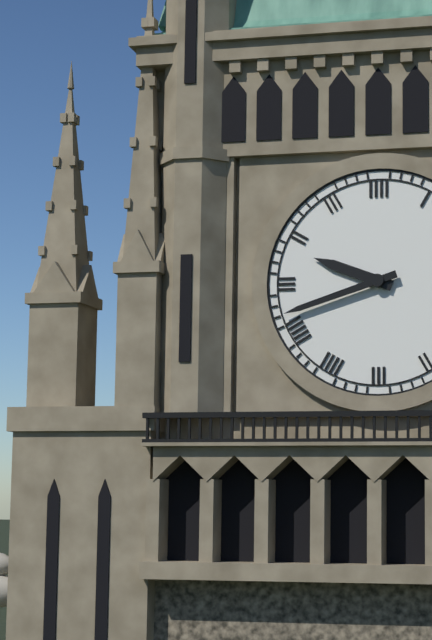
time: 9:42
